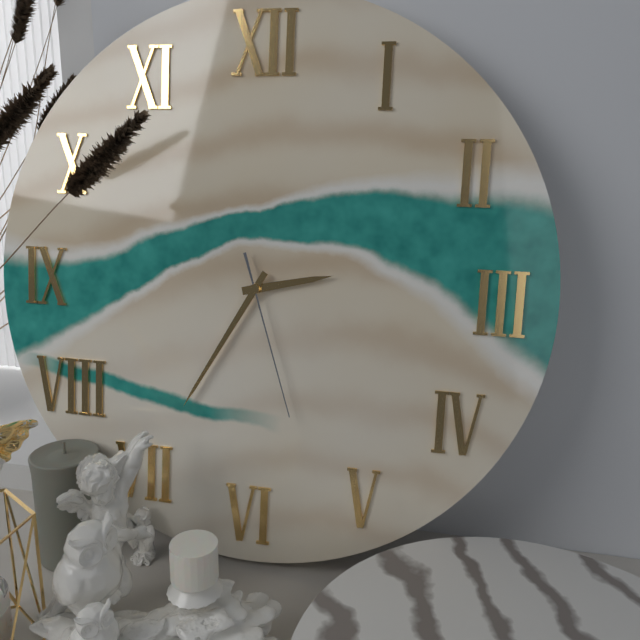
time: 2:35:27
